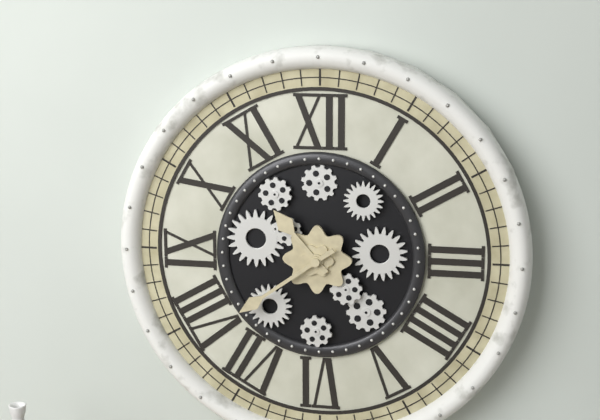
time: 10:39
